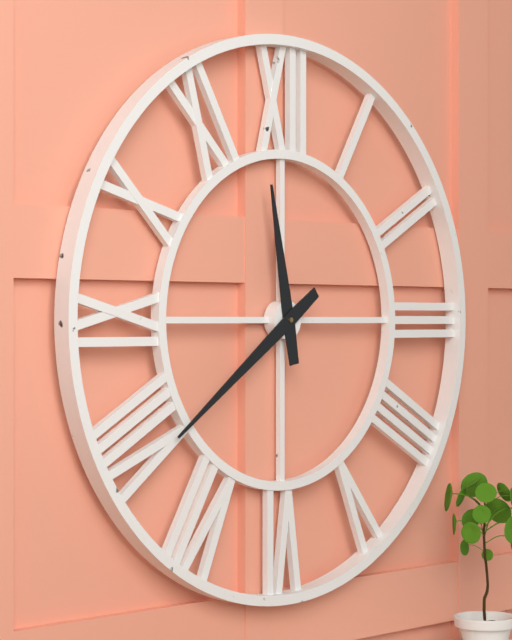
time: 11:39
